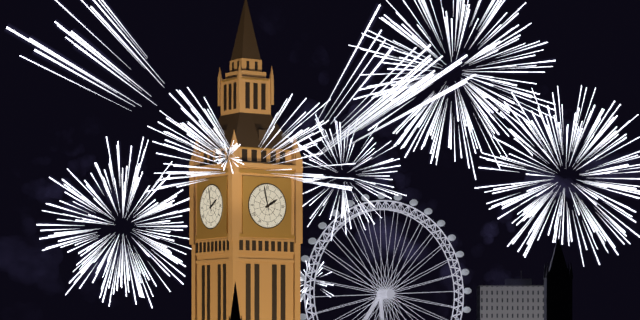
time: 1:58
